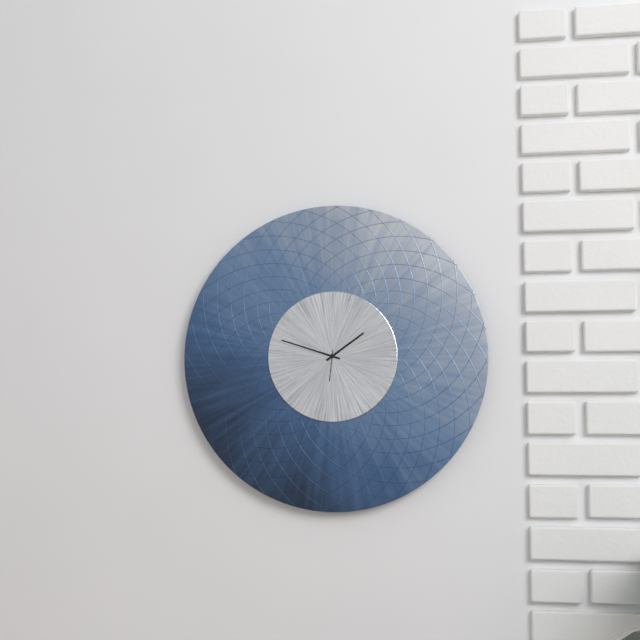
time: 1:48
